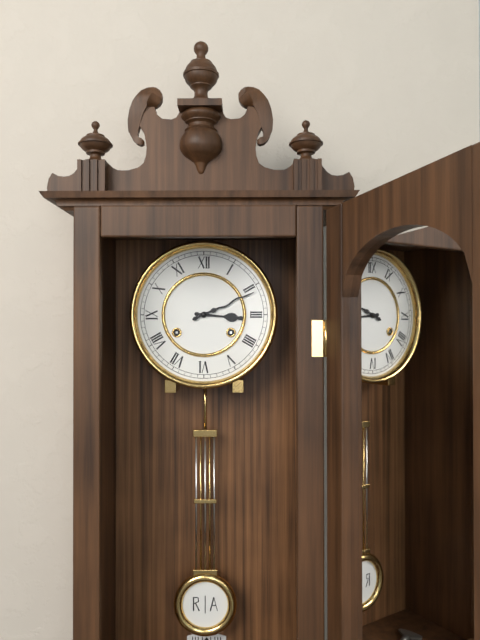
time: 3:11
